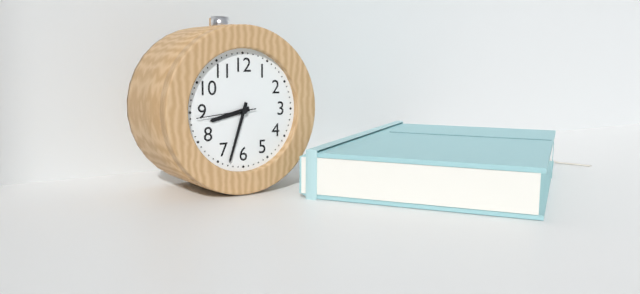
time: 8:33:44
